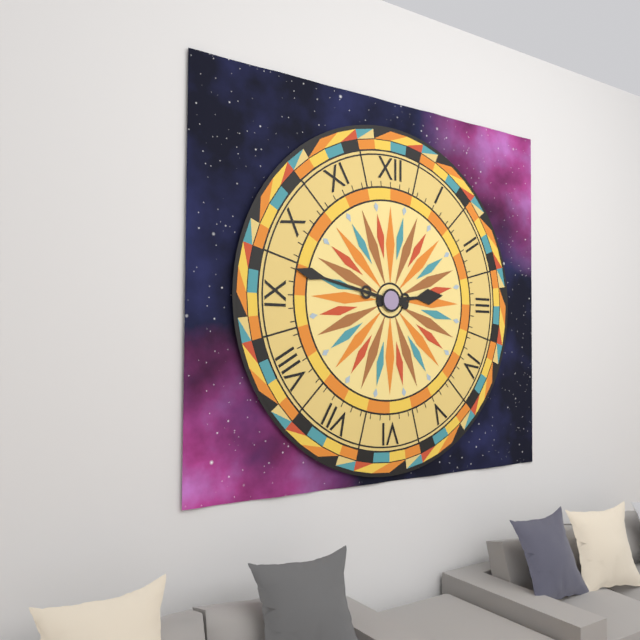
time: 2:47
